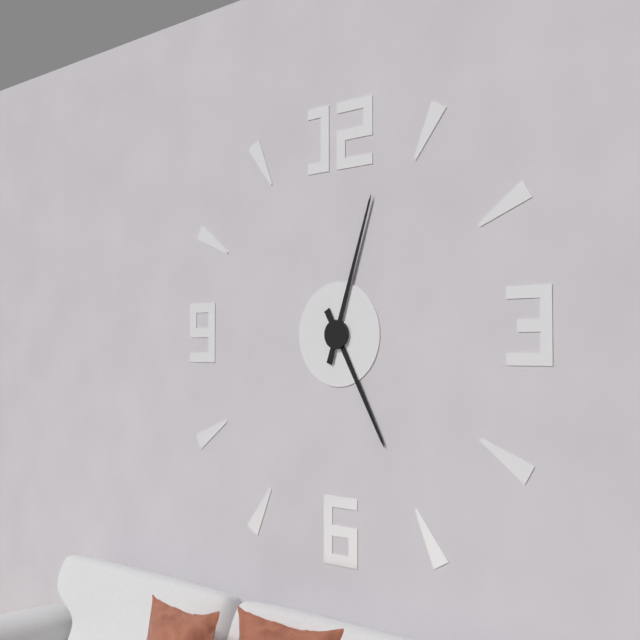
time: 5:03
